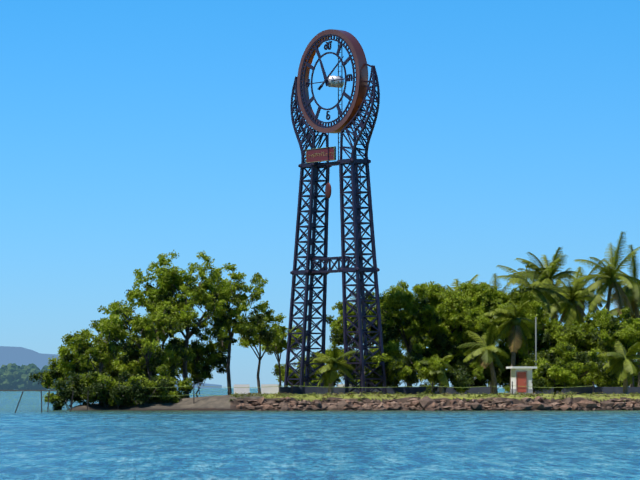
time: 11:09
